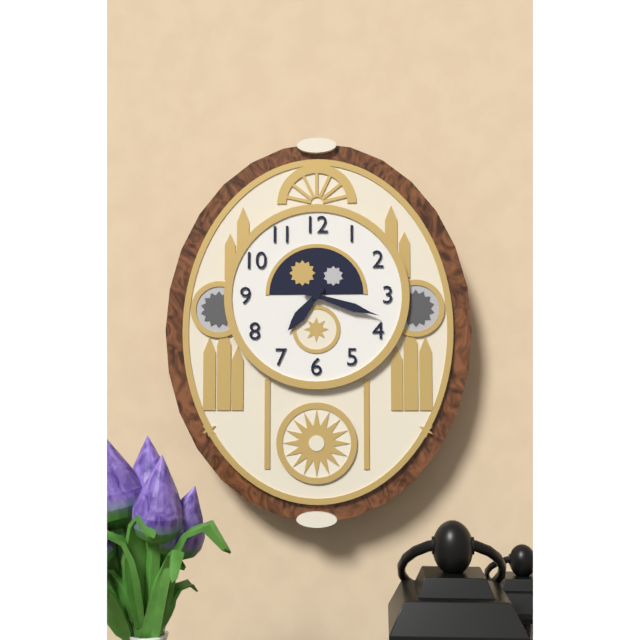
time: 7:18
